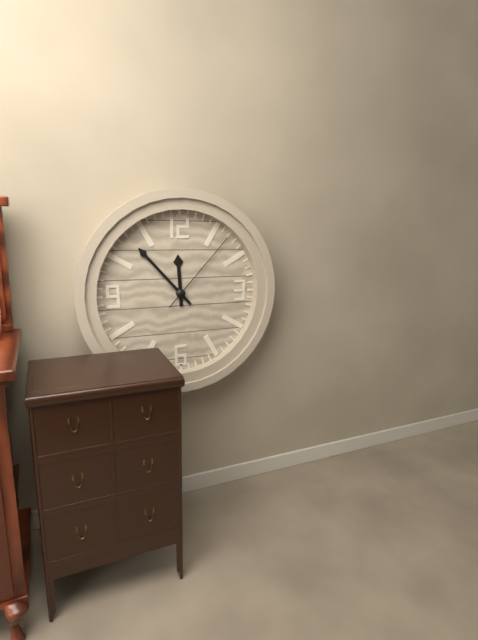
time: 11:53:07
